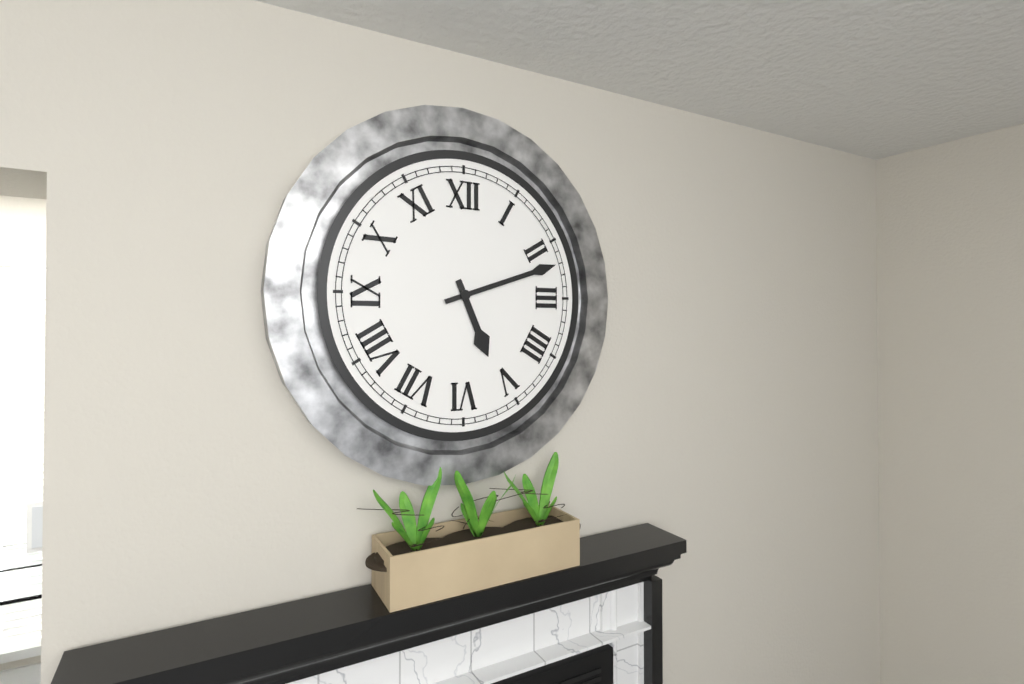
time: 5:12
